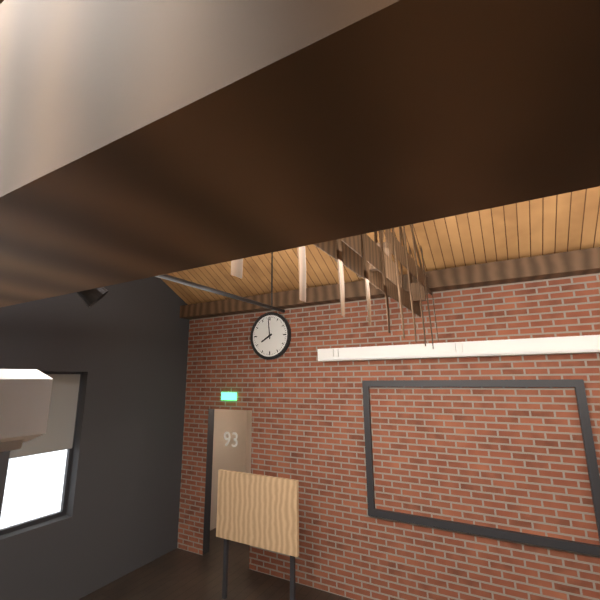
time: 7:59
